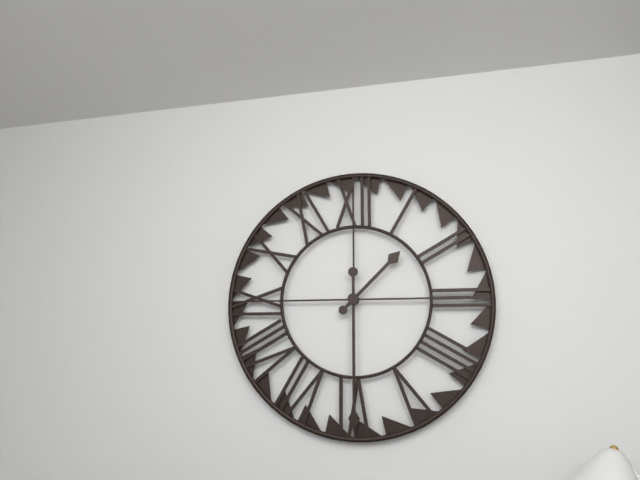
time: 1:30
